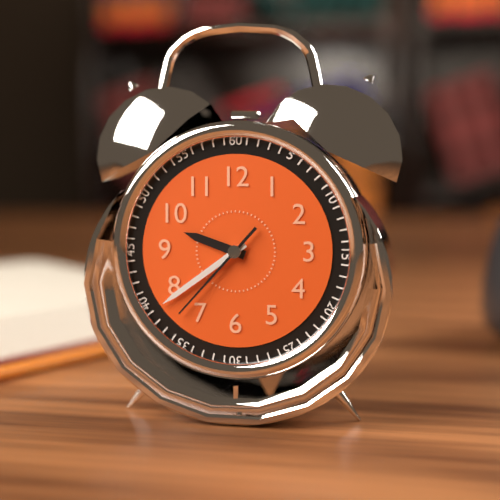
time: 9:39:37
